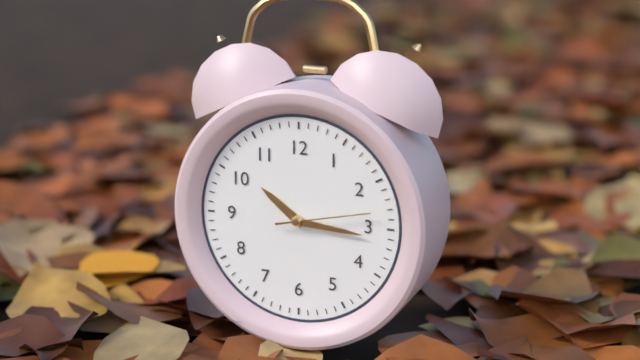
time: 10:16:13
